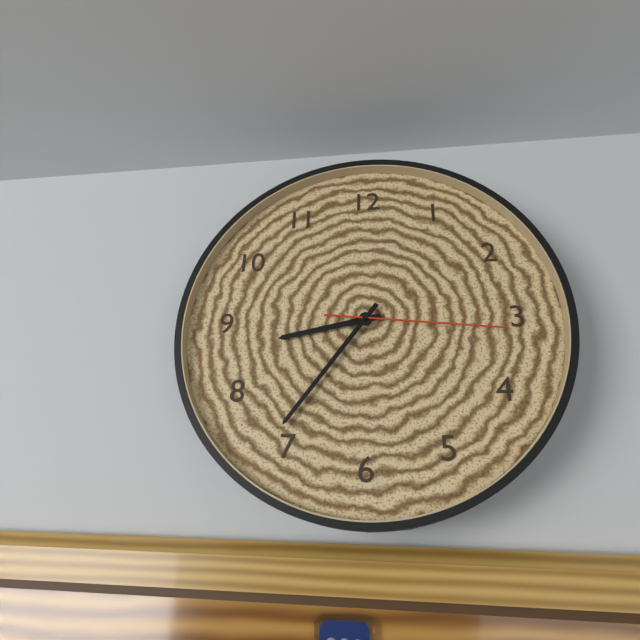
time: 8:36:16
